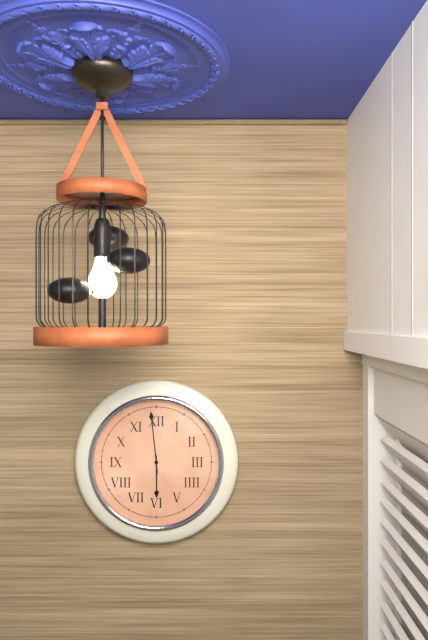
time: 5:59
